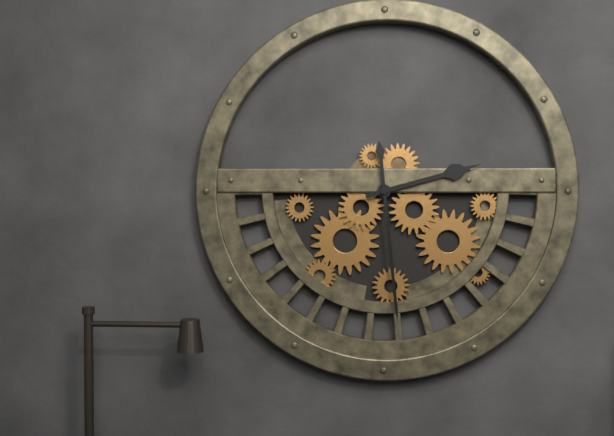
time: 2:29
